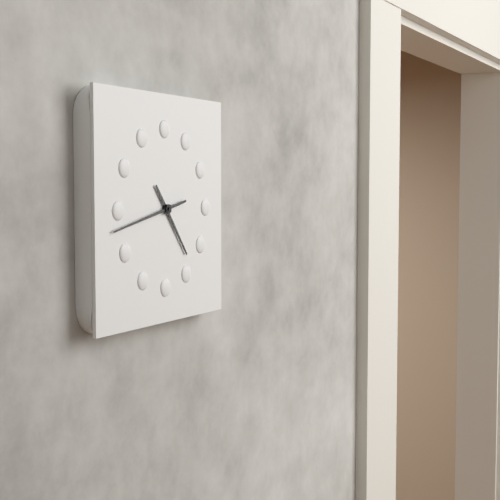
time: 4:43
